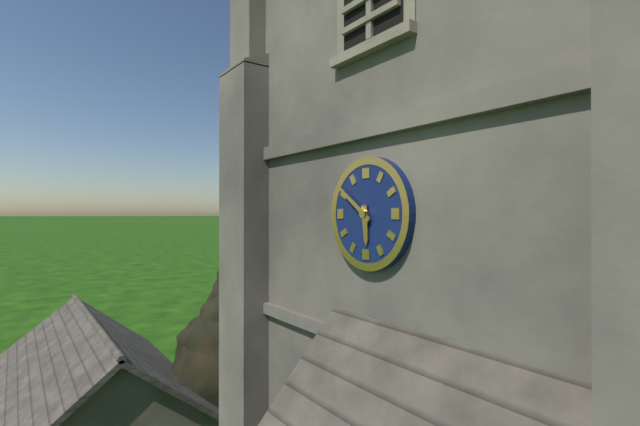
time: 5:51
